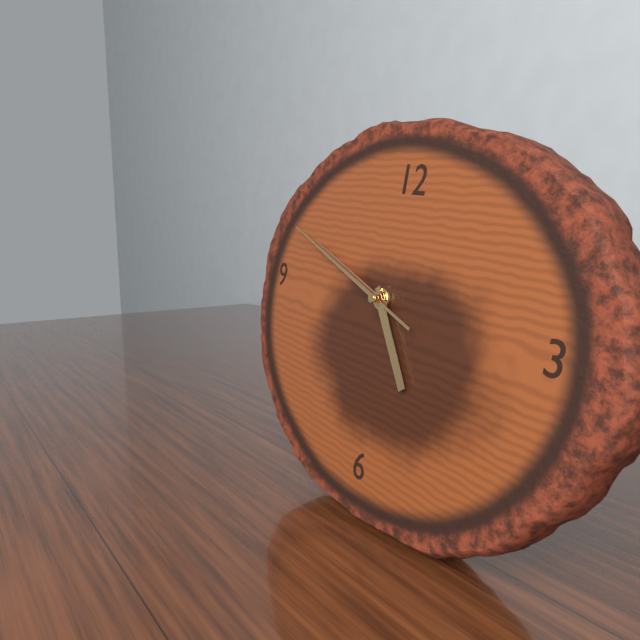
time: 4:48:48
